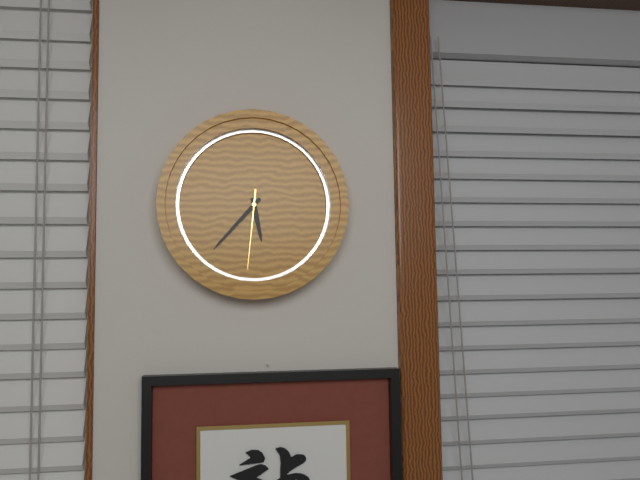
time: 5:37:31
